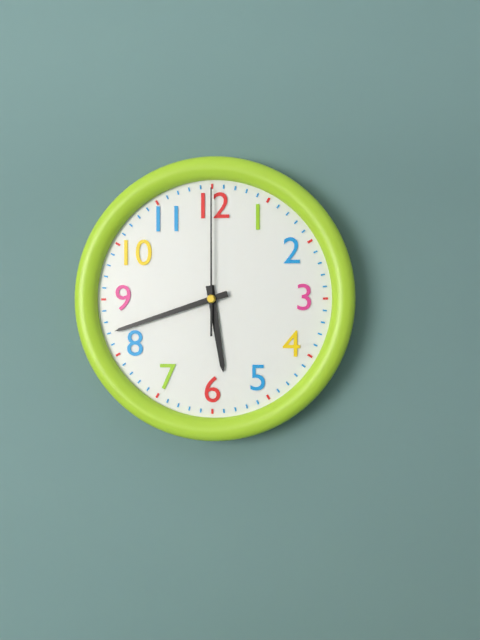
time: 5:42:00
